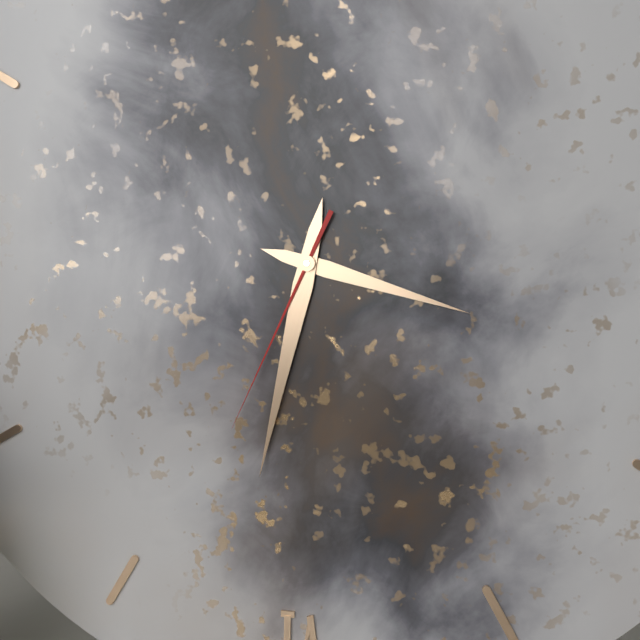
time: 3:32:34
